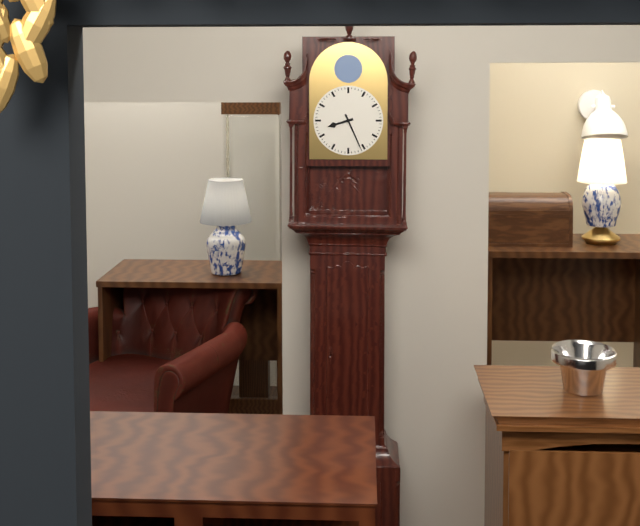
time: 8:26
